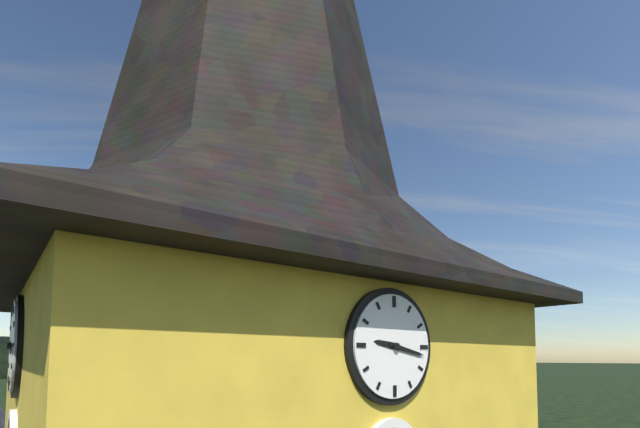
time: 9:17
